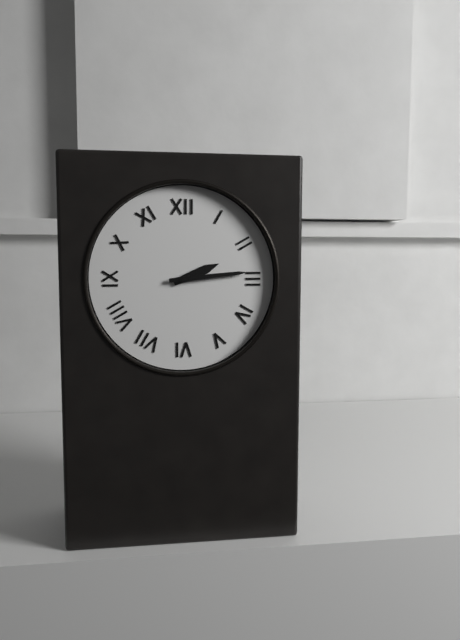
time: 2:14
